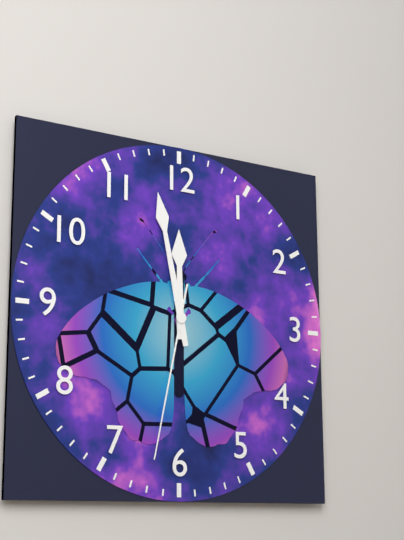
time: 11:58:32
